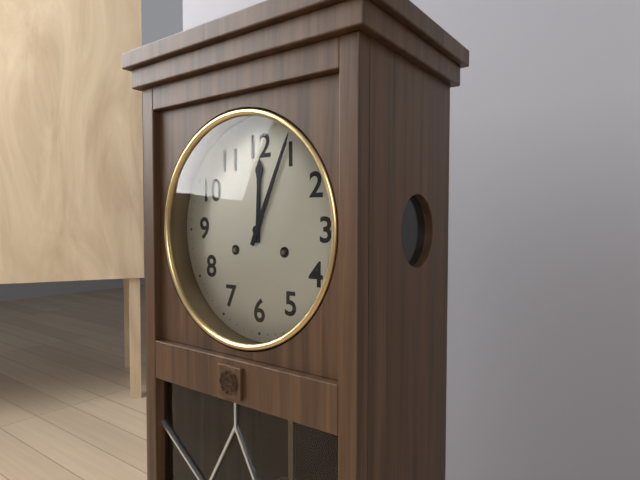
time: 12:04
